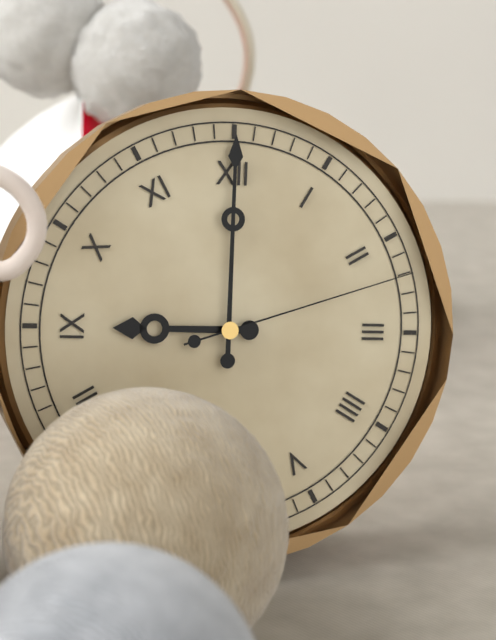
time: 9:00:12
